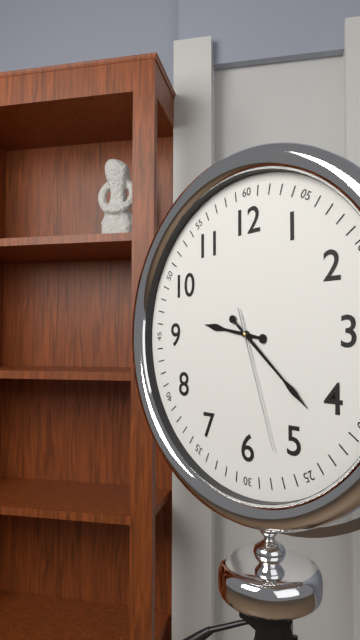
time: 9:22:27
